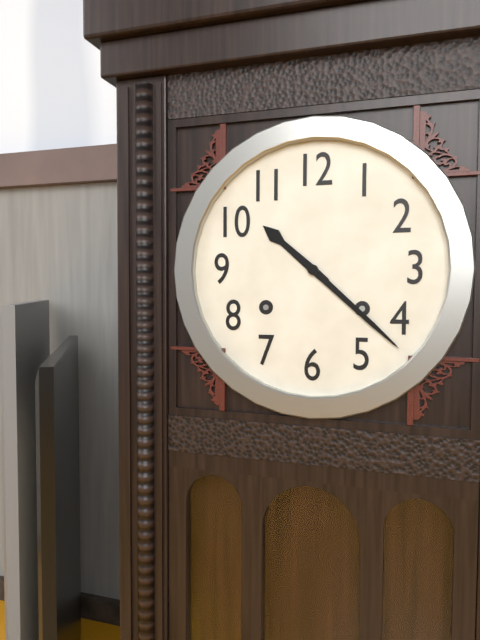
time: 10:22
